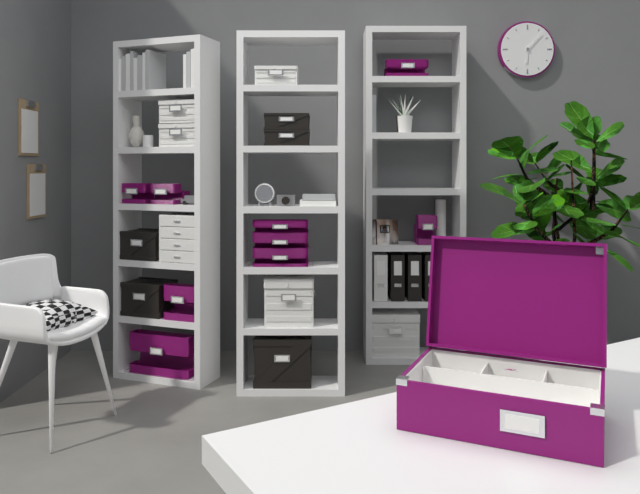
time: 6:07
